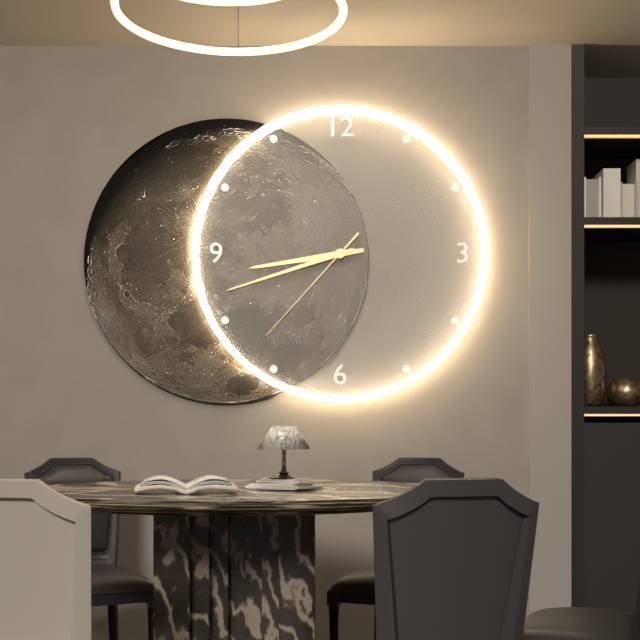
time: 8:42:37
